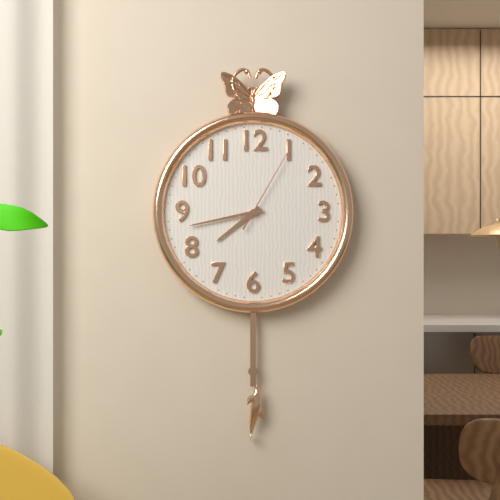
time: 7:43:05
